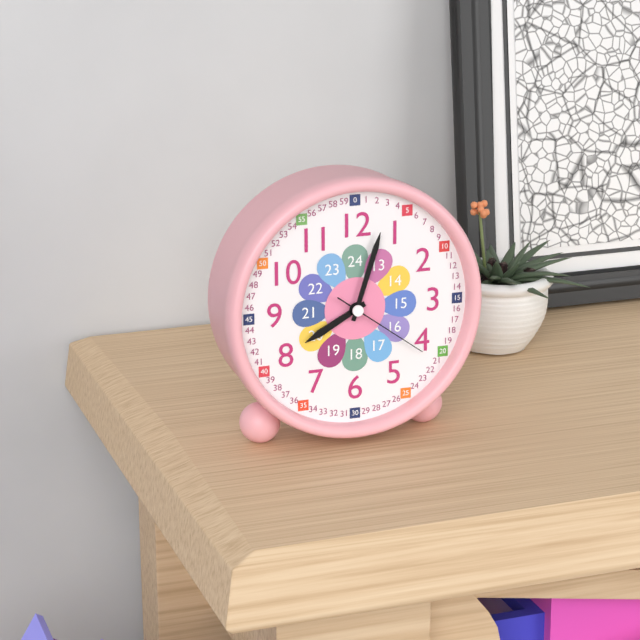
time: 8:03:21
